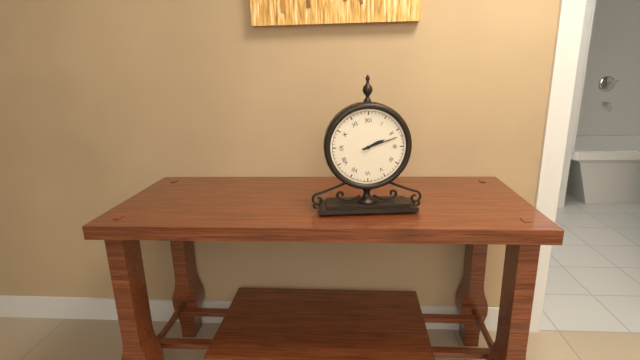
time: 2:12
